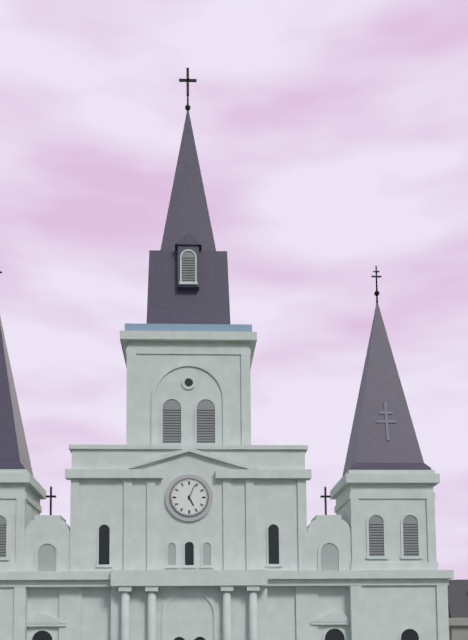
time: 5:04
